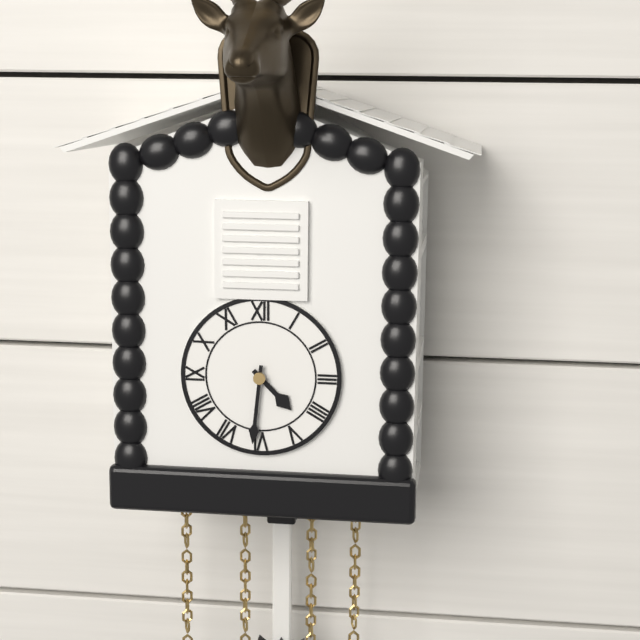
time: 4:31
